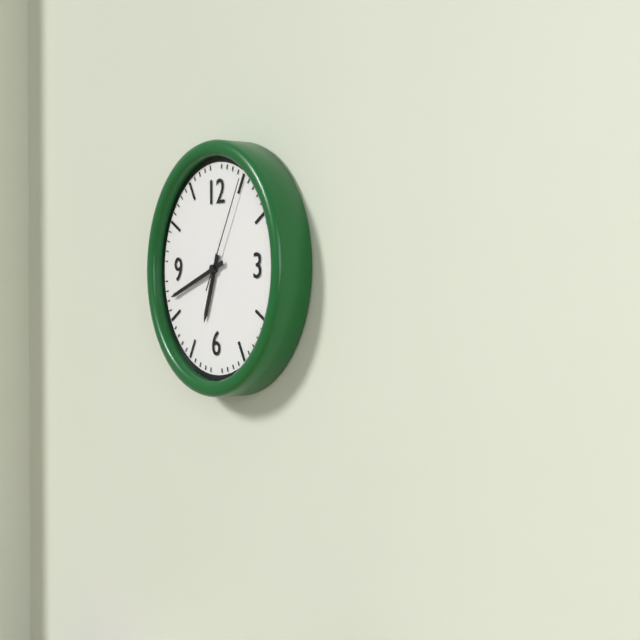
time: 6:42:05
